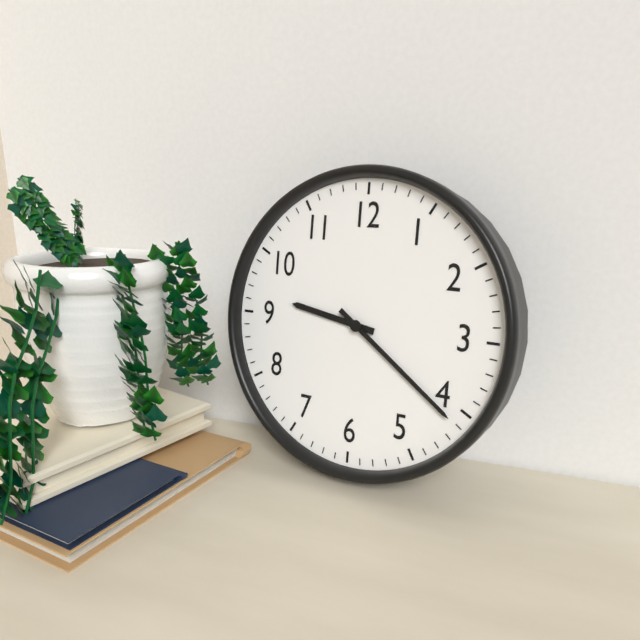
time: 9:21
